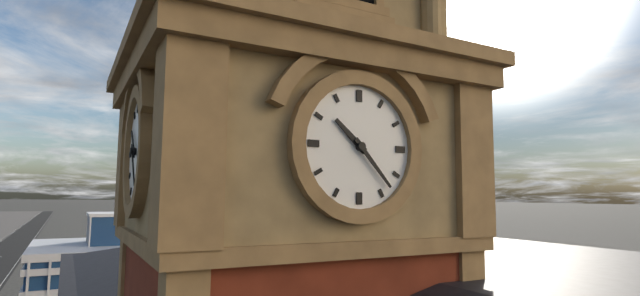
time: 10:23
